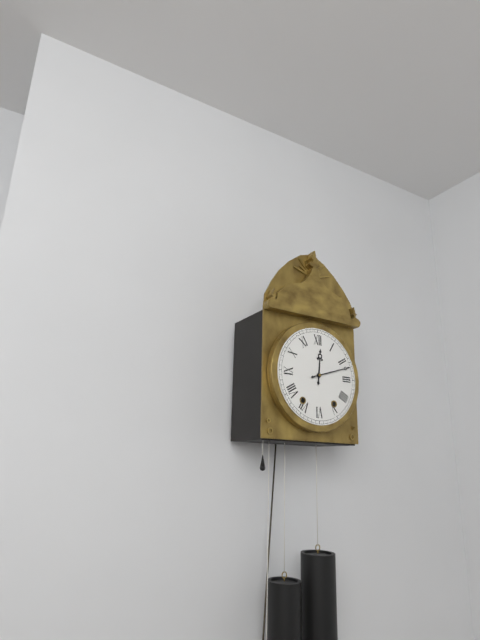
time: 12:12
